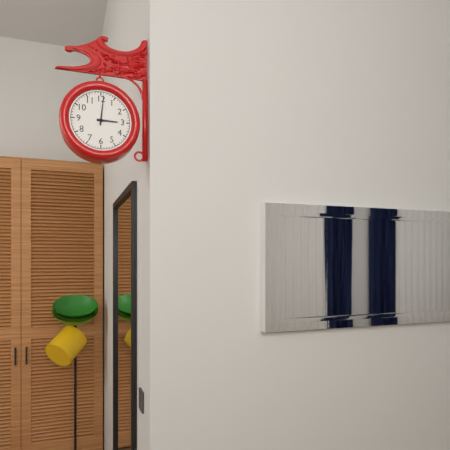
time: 3:01
